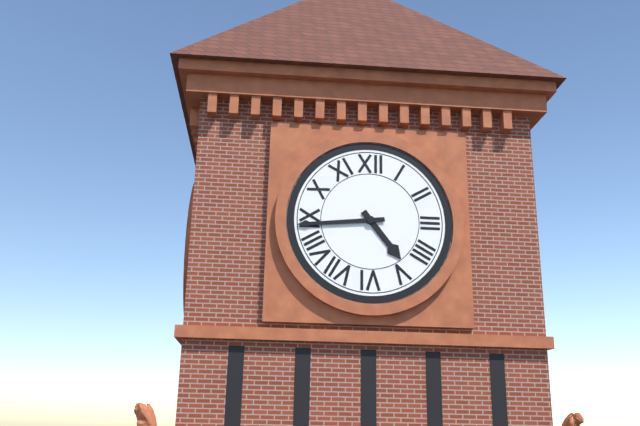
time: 4:44
